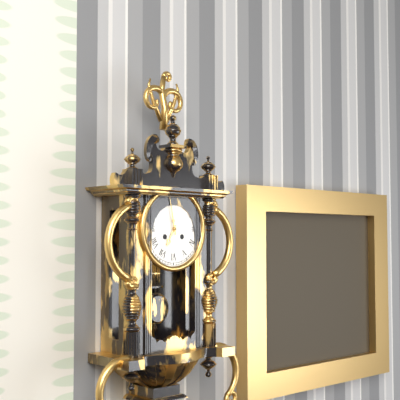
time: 6:58
